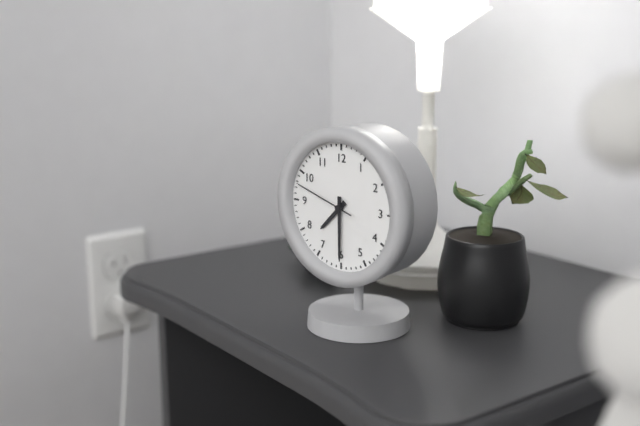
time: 7:30:48
